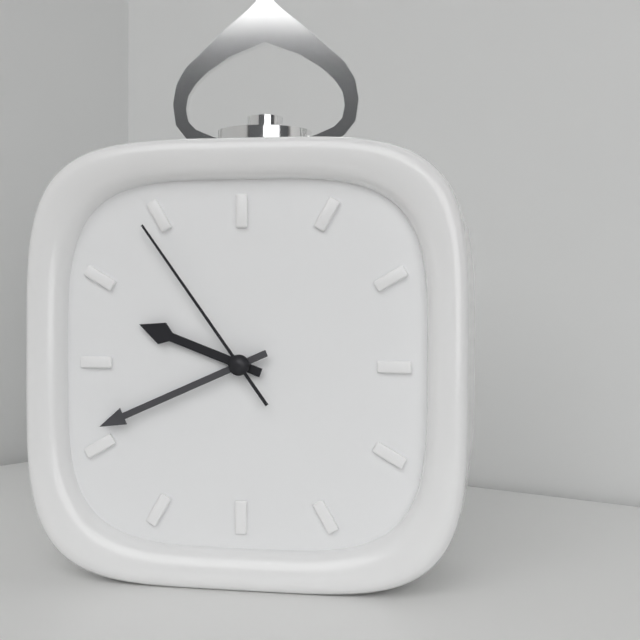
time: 9:41:54
